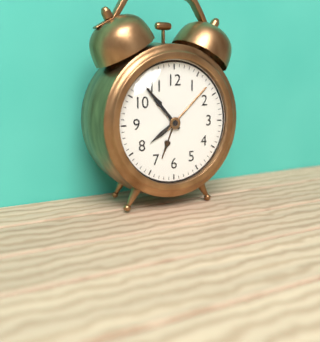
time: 7:53
